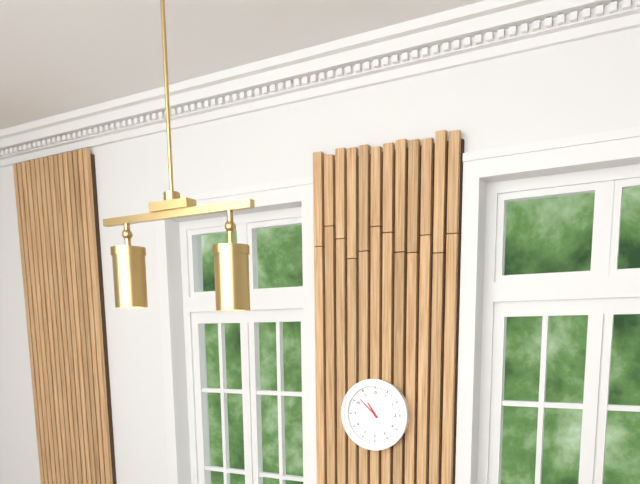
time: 10:52
